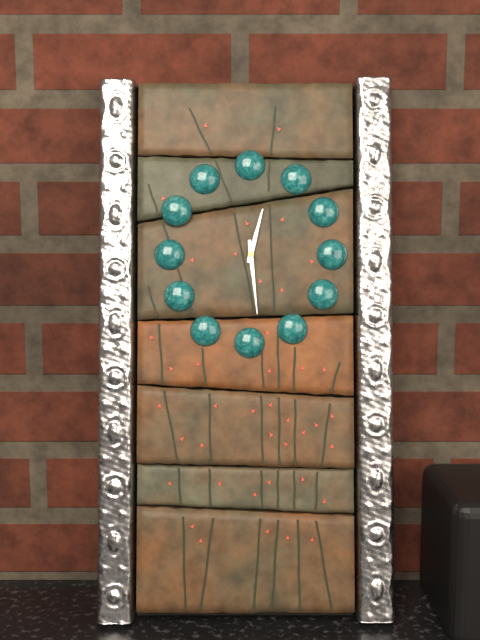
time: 12:29
